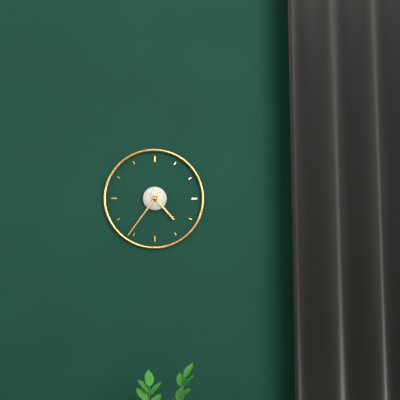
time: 4:36
